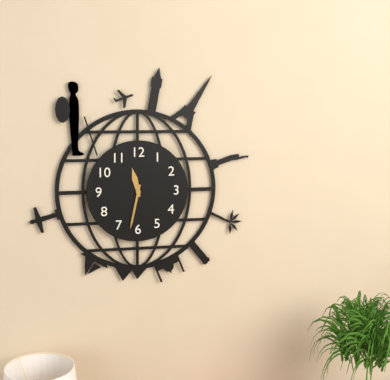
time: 11:32
